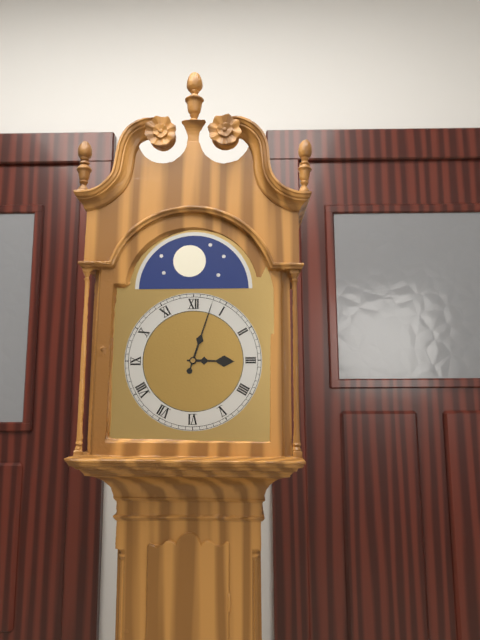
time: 3:03
